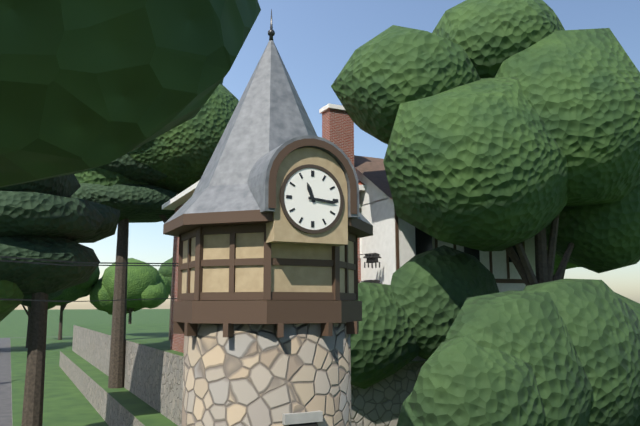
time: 11:16
